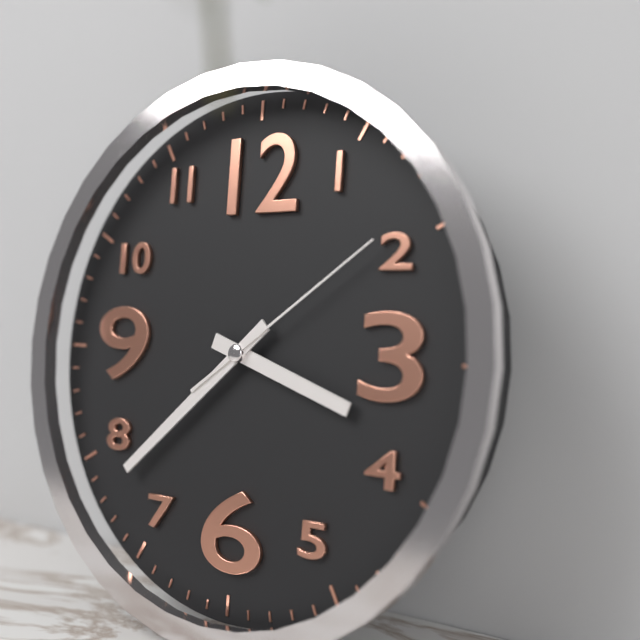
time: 3:38:09
